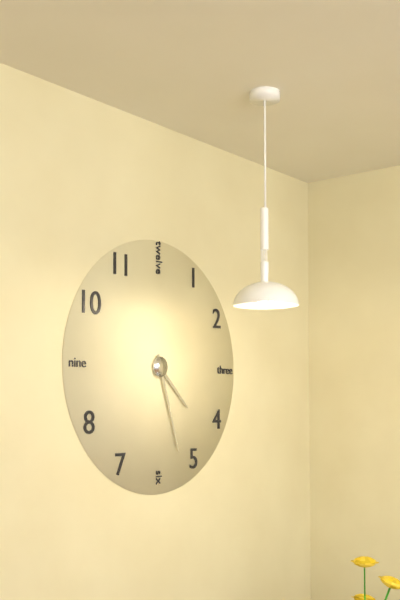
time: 4:27
